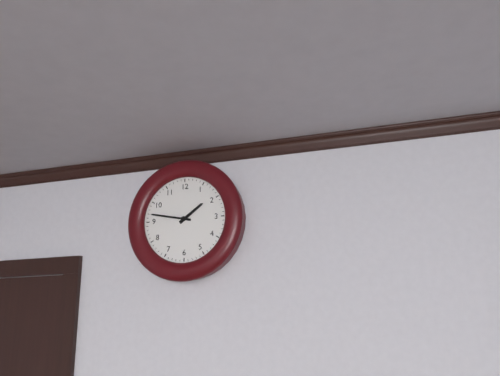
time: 1:47
